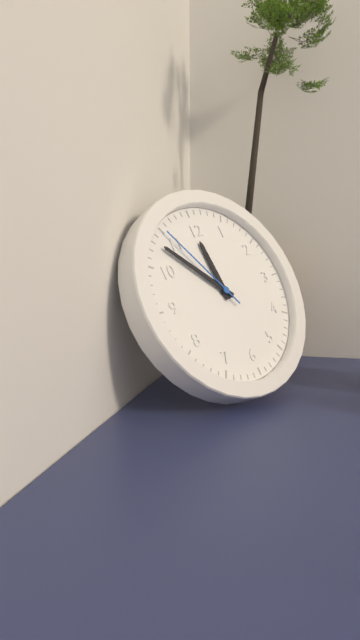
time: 11:53:55
